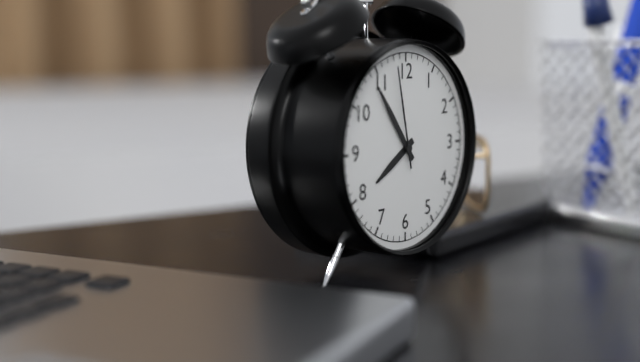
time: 7:54:58
